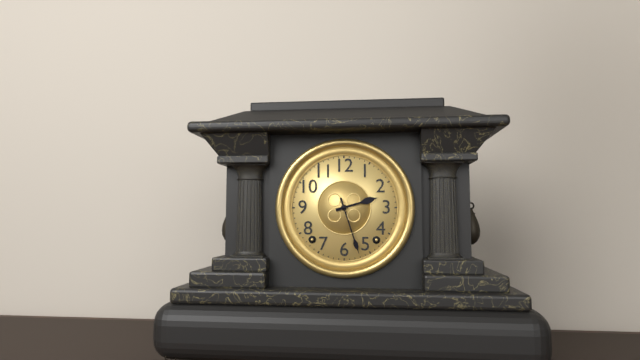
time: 2:27
